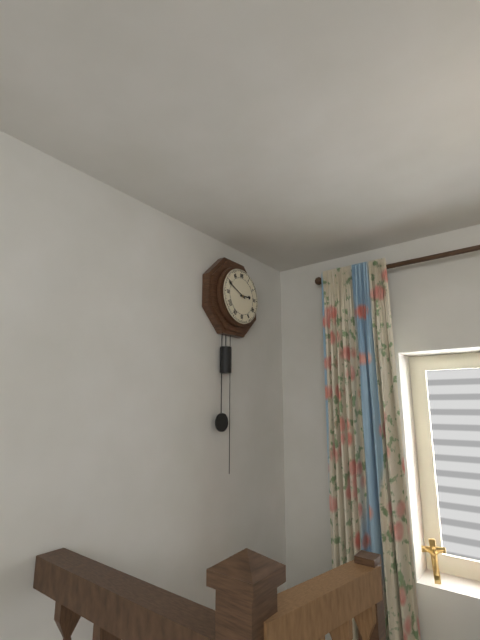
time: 2:49
